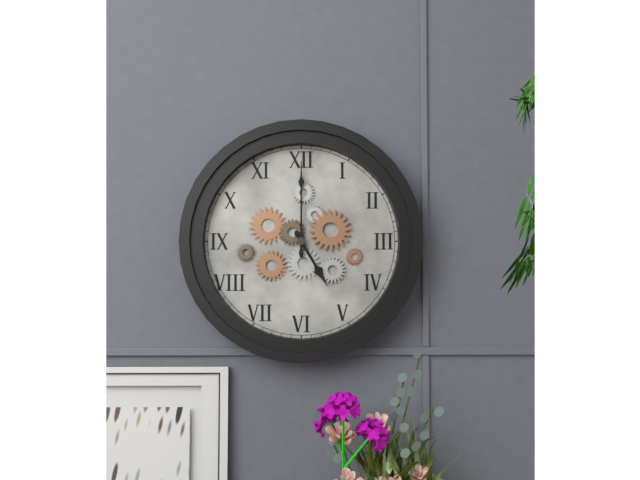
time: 5:00
